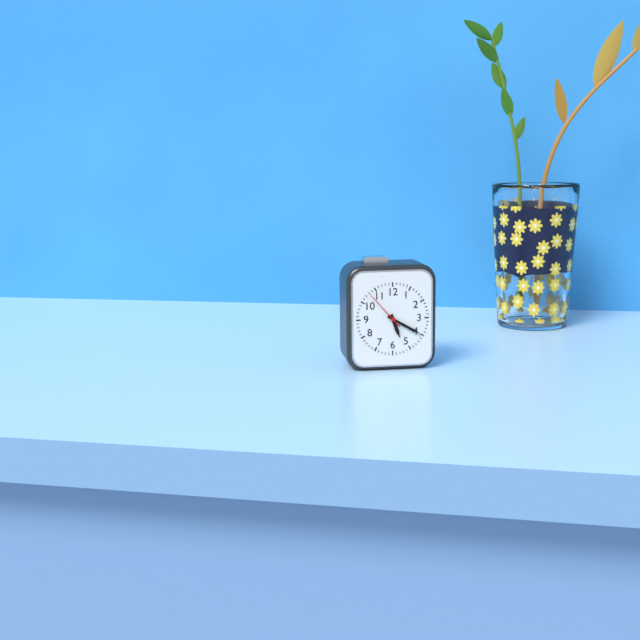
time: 5:20
